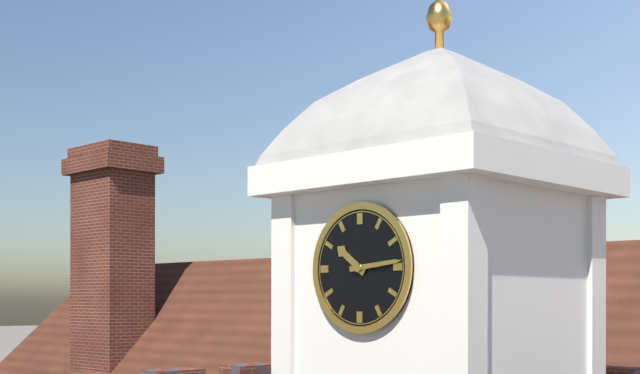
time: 10:14
